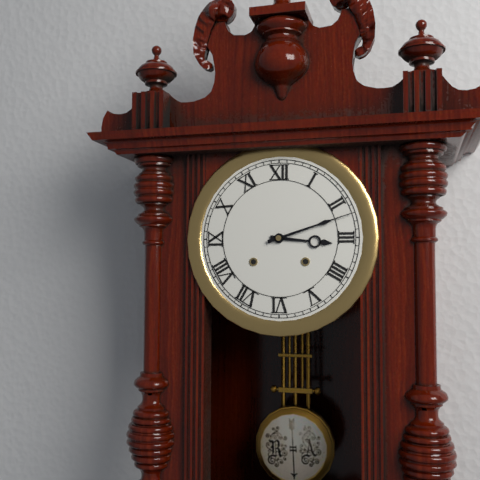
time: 3:12
